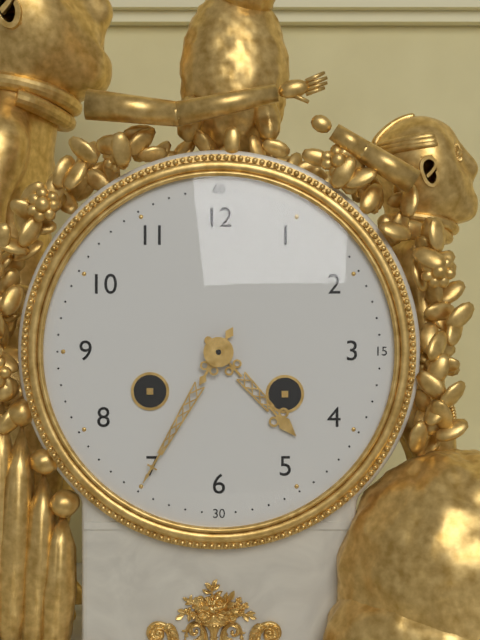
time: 4:35
